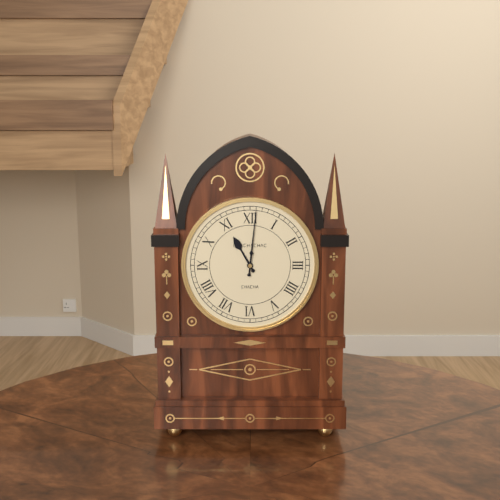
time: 11:01
